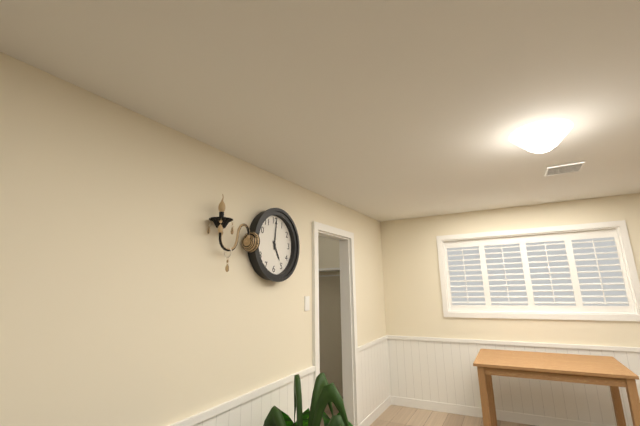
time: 5:01
